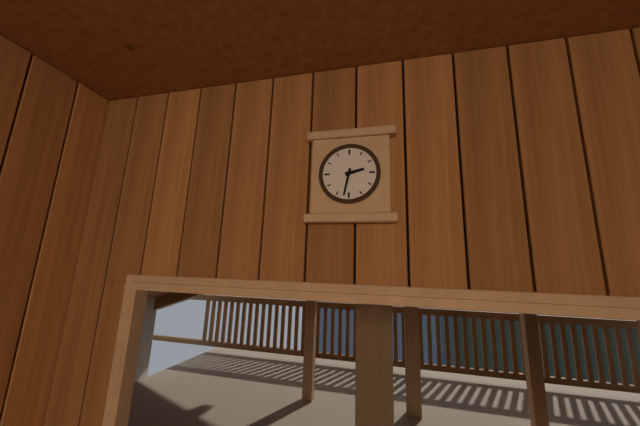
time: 2:32
